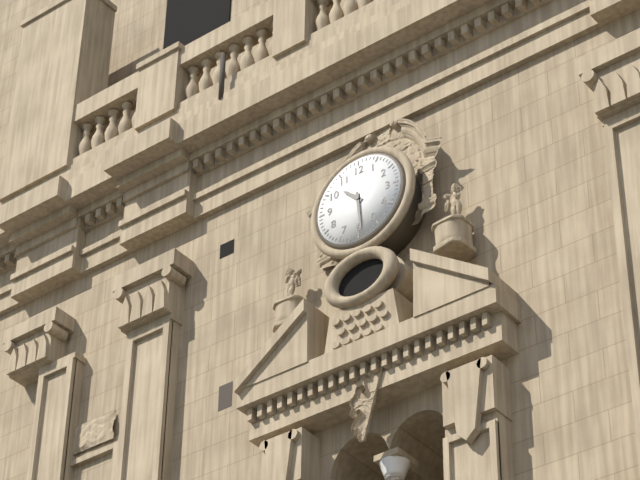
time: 10:29
